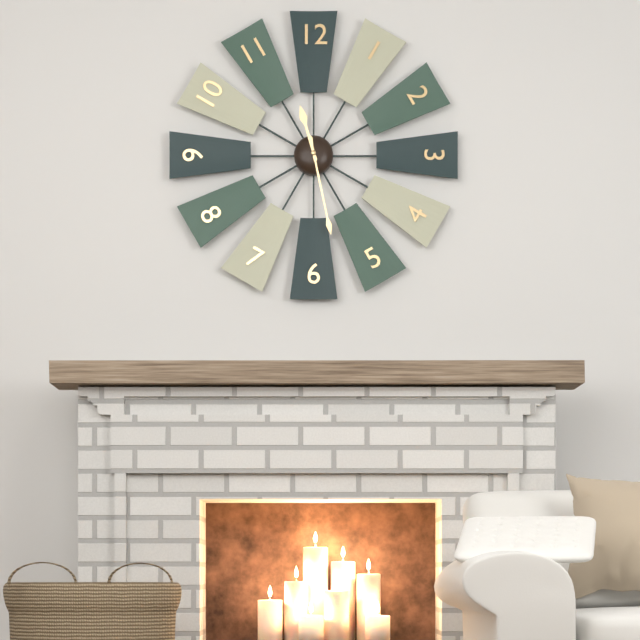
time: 11:28
